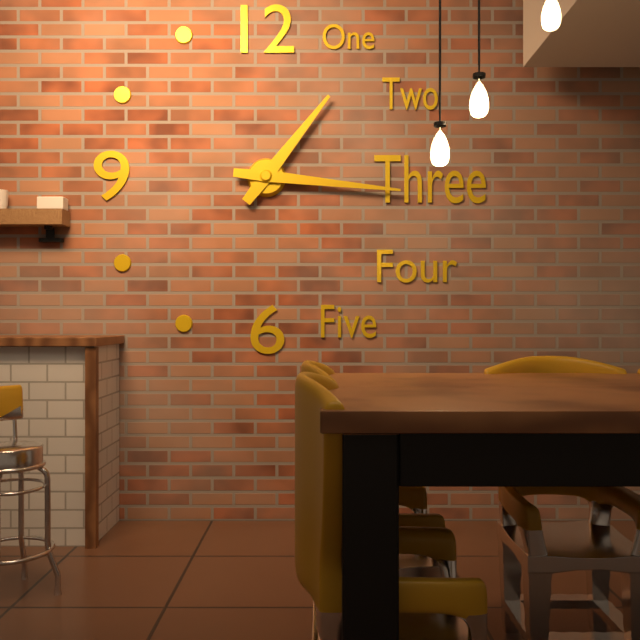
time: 1:16
